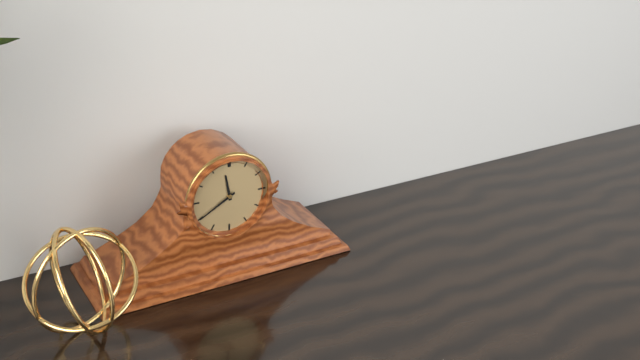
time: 11:40
